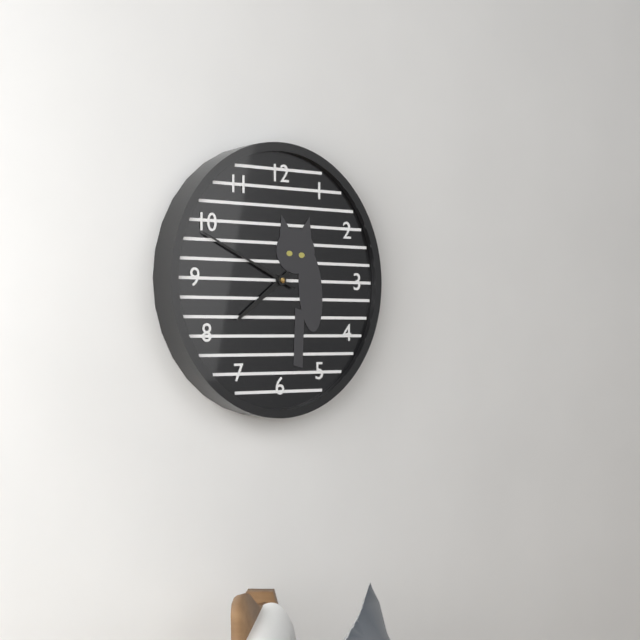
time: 7:49
